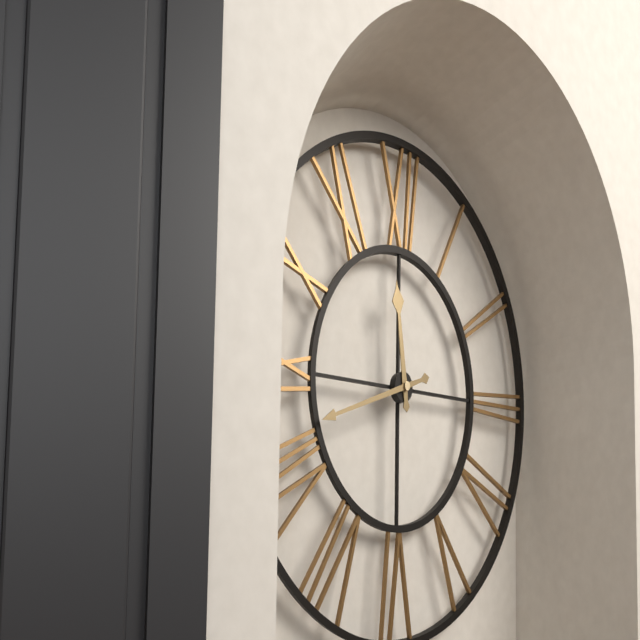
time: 11:42
